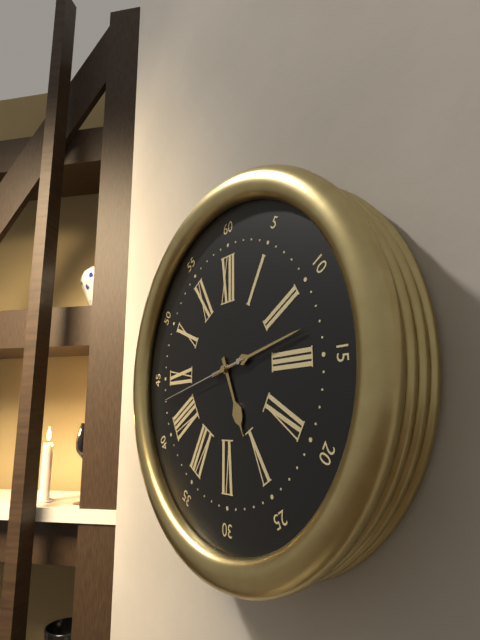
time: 5:13:43
